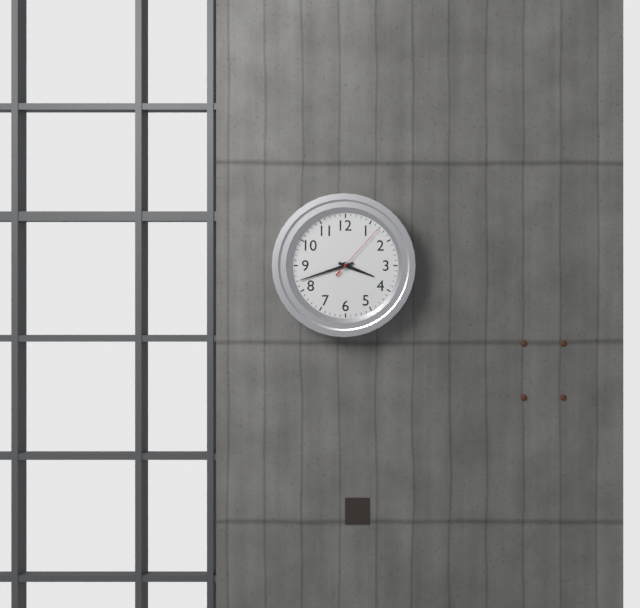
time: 3:42:07
